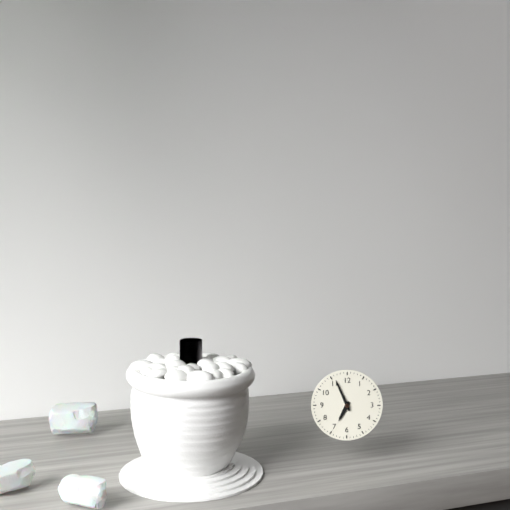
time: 6:56
